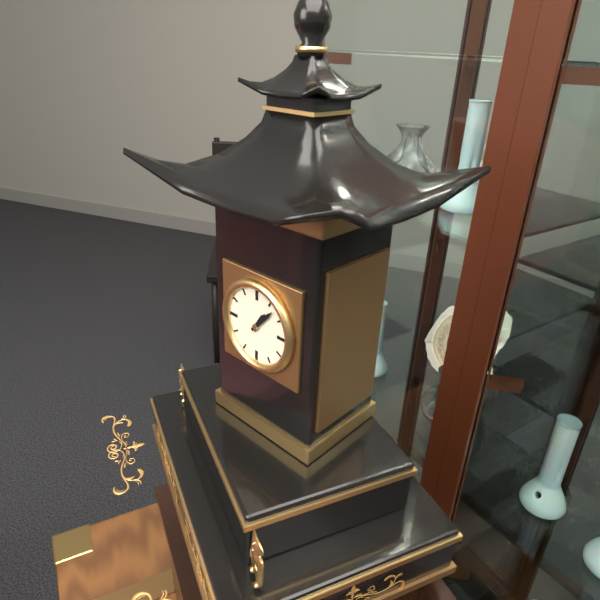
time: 1:07
